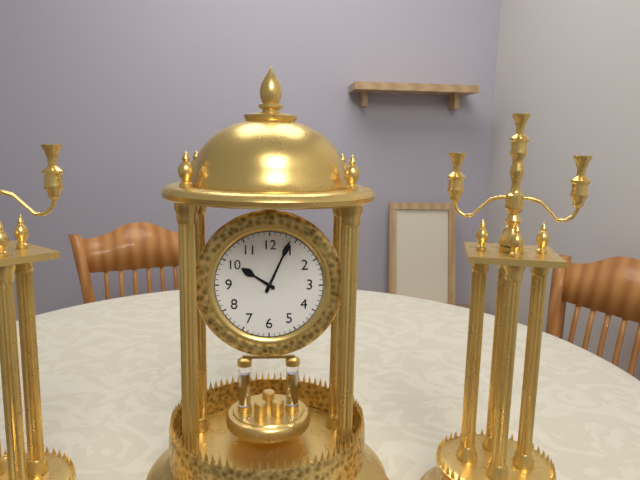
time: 10:04
